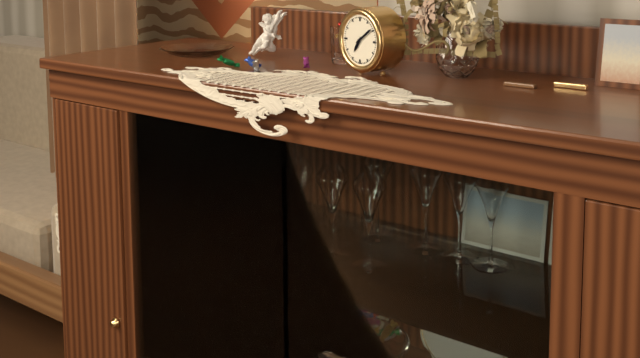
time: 7:09
